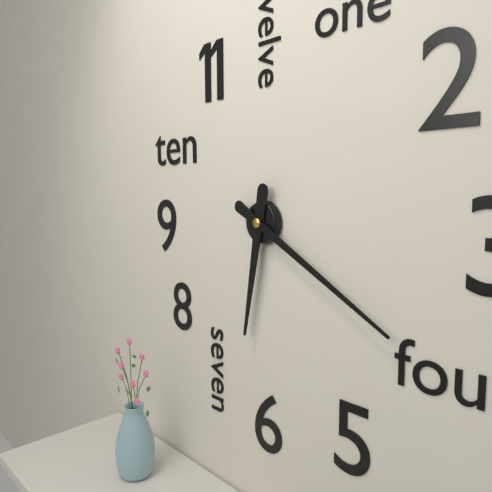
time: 6:20
